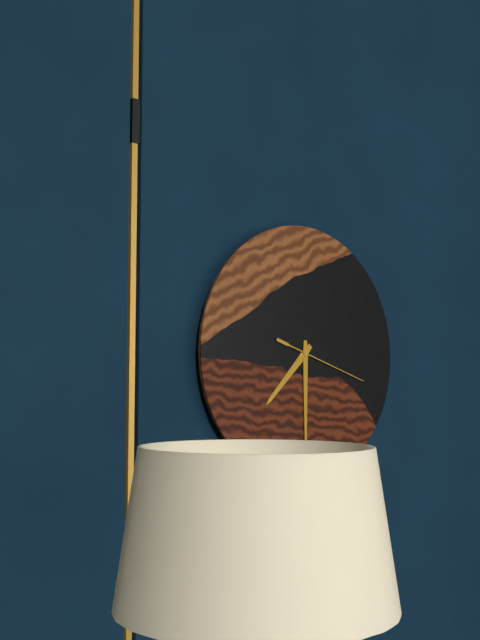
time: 7:30:18
